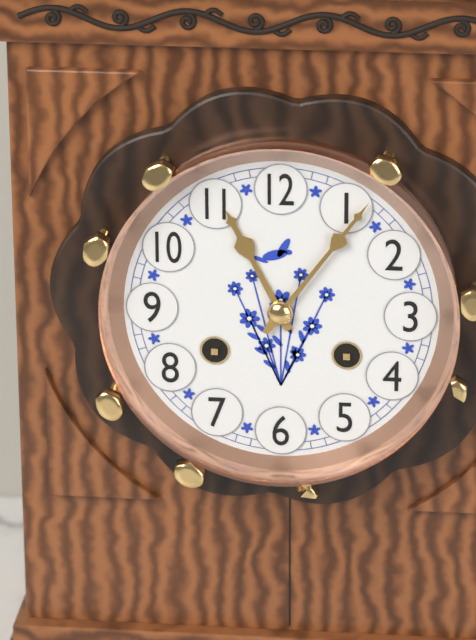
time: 11:06
